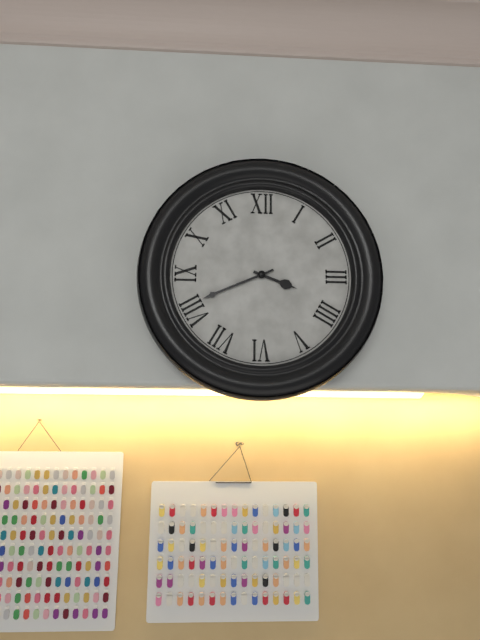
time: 3:41
